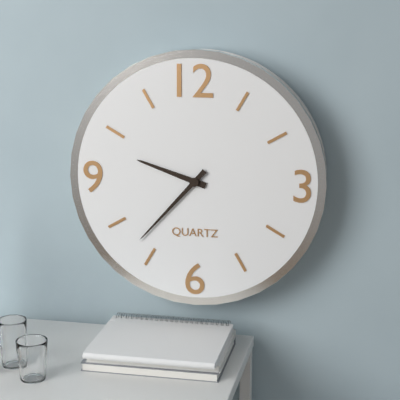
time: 9:37
